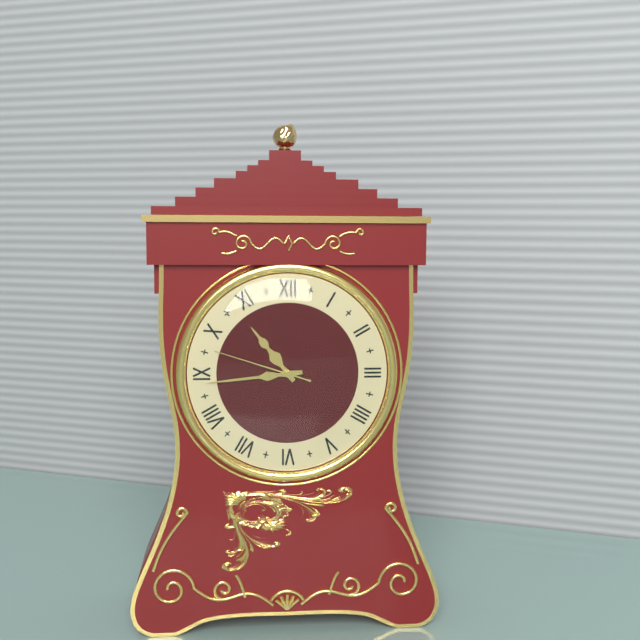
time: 10:44:48
